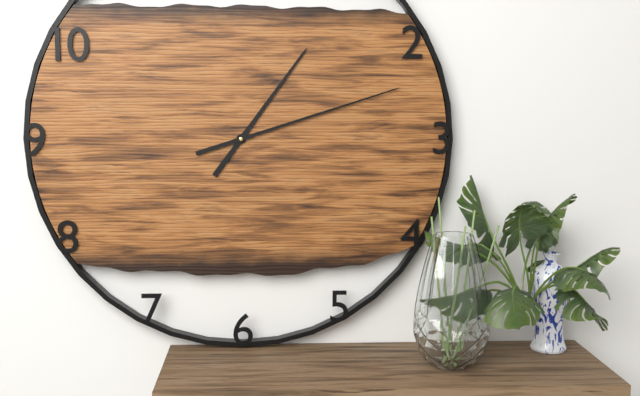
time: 1:12
